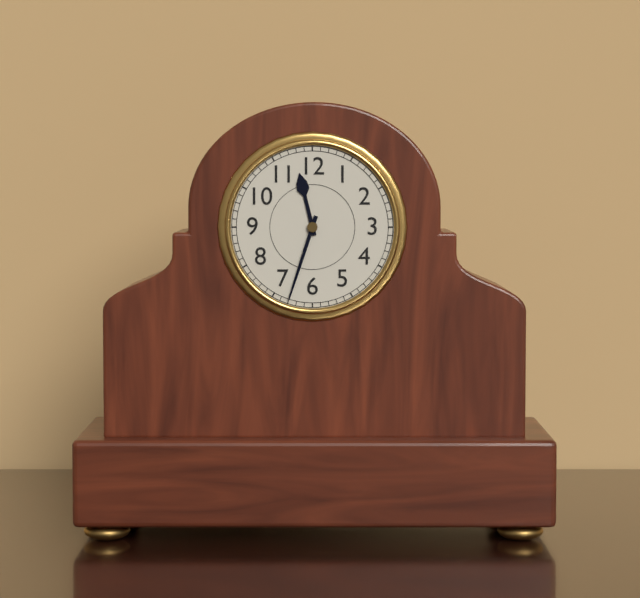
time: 11:33
